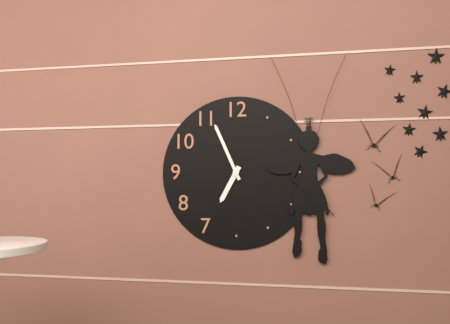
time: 6:56
